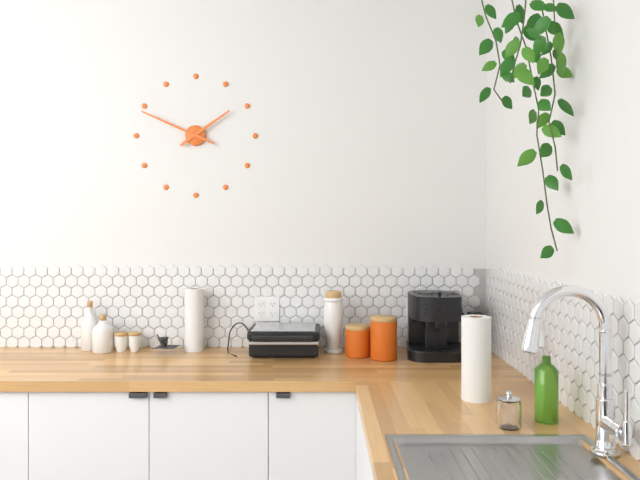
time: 1:49
